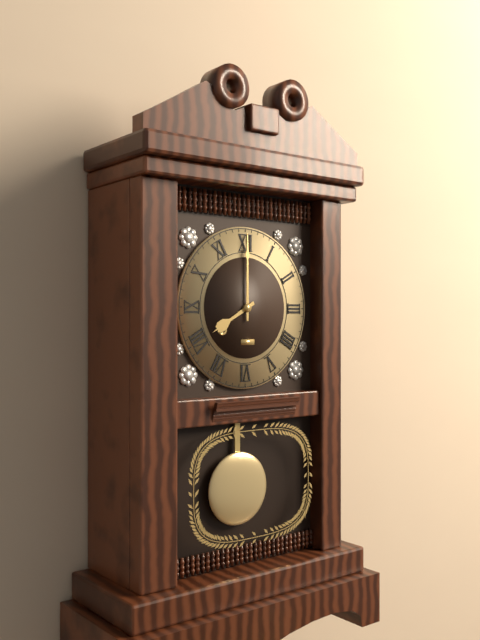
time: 8:00
